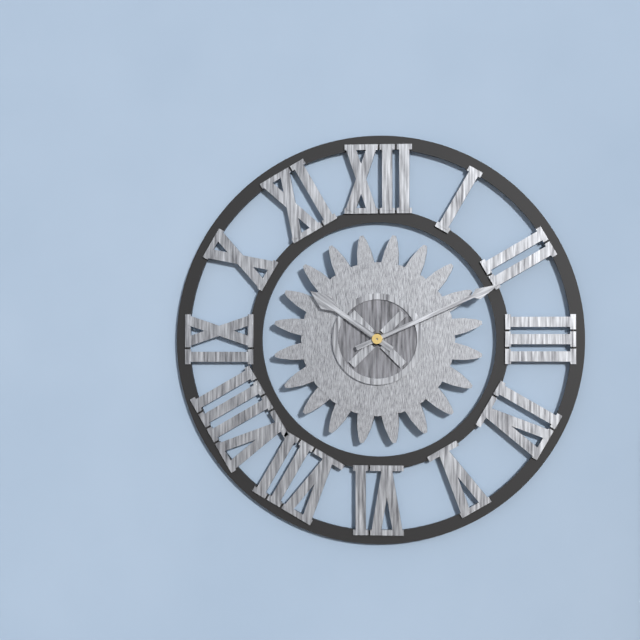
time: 10:11
